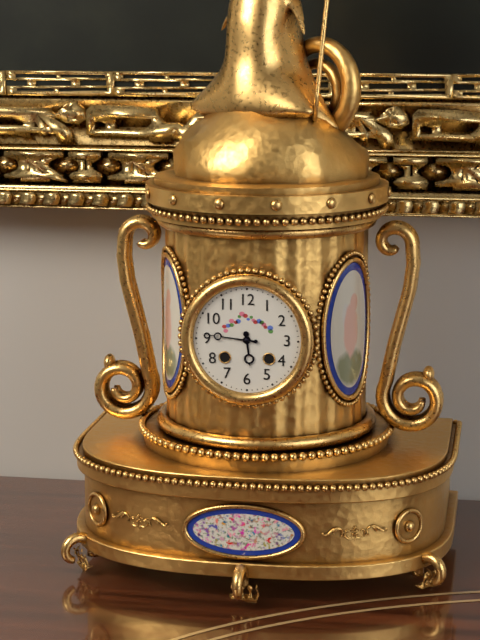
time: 5:46
